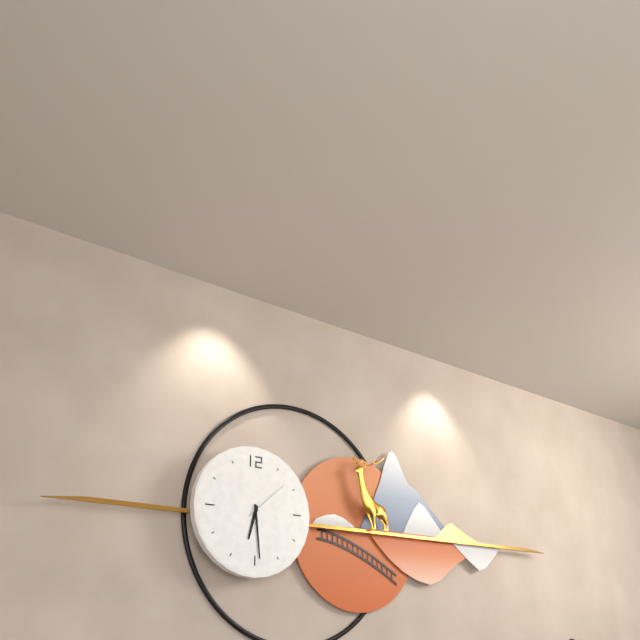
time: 6:29
